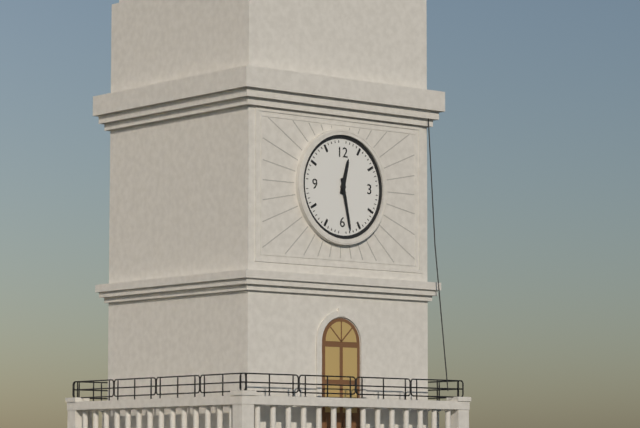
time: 12:28
